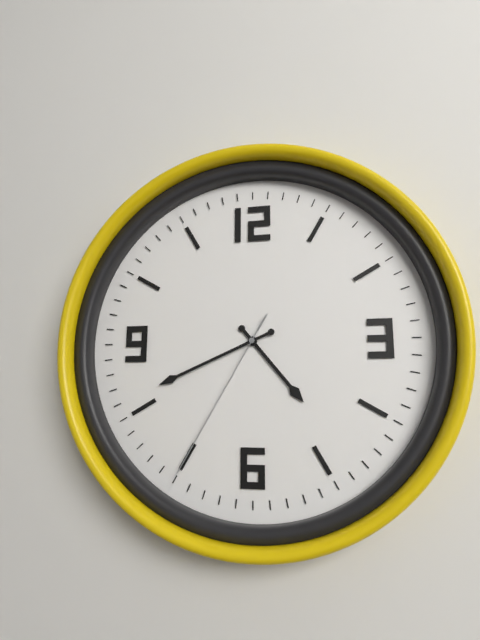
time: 4:41:35
